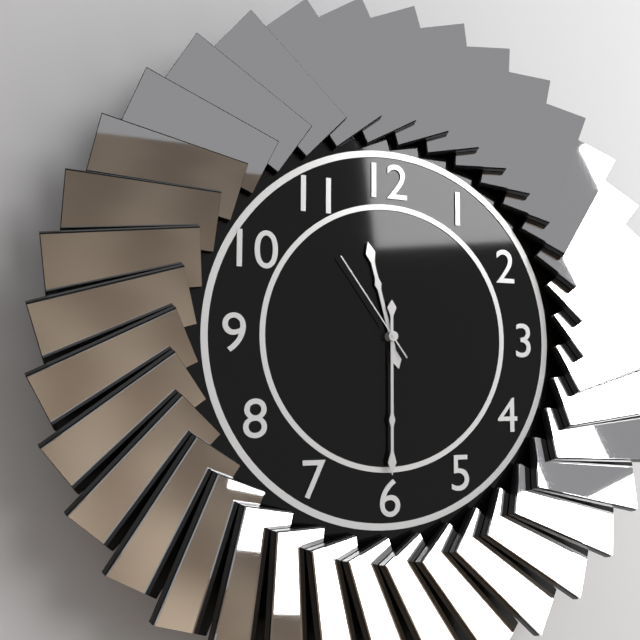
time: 11:30:54
